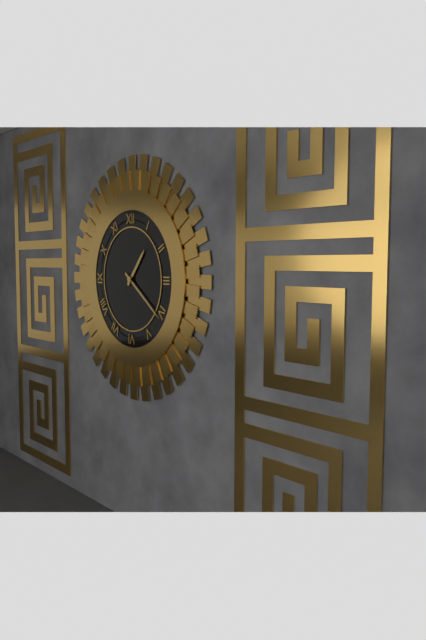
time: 1:21
